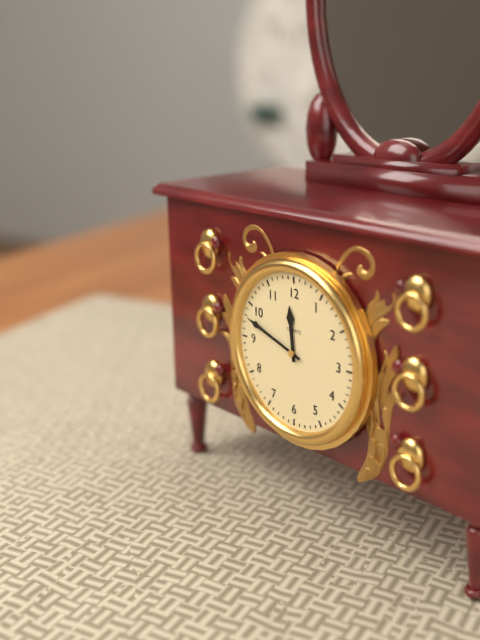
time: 11:48
